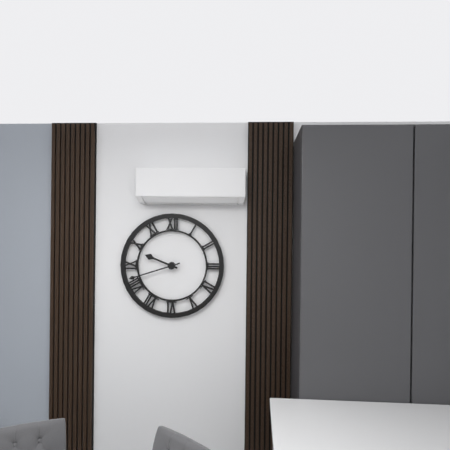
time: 9:42
